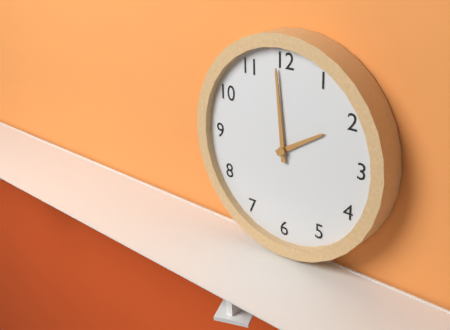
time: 1:59
